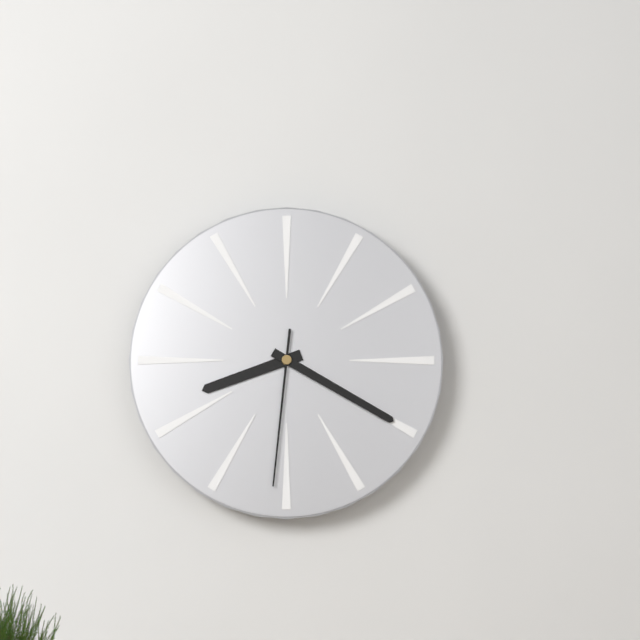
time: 8:20:31
